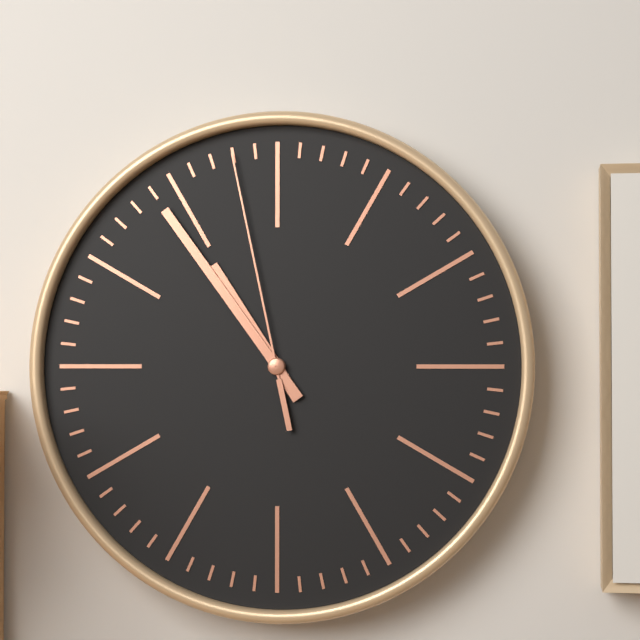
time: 10:54:58
